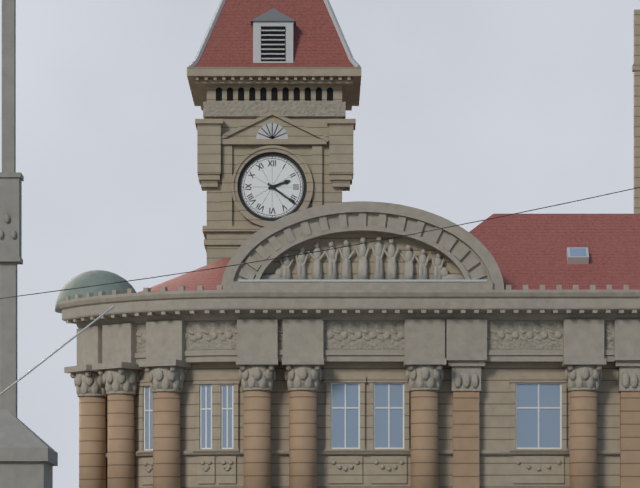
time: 2:21
